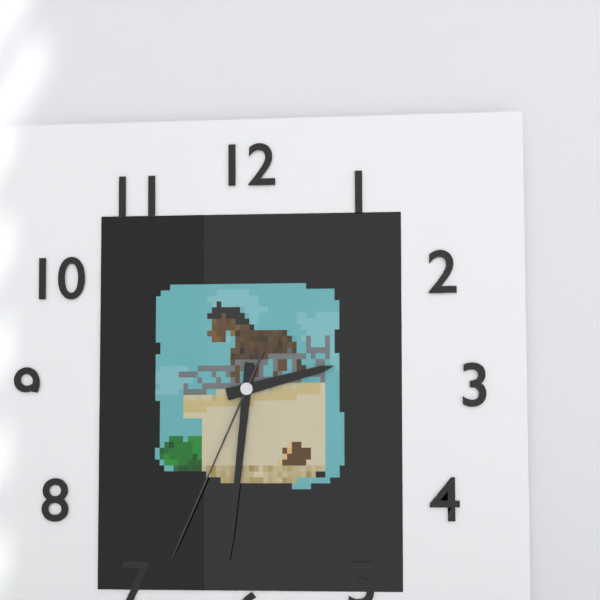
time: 2:31:34
